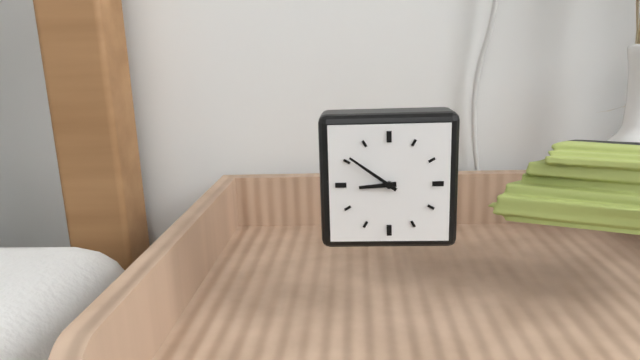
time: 8:51
